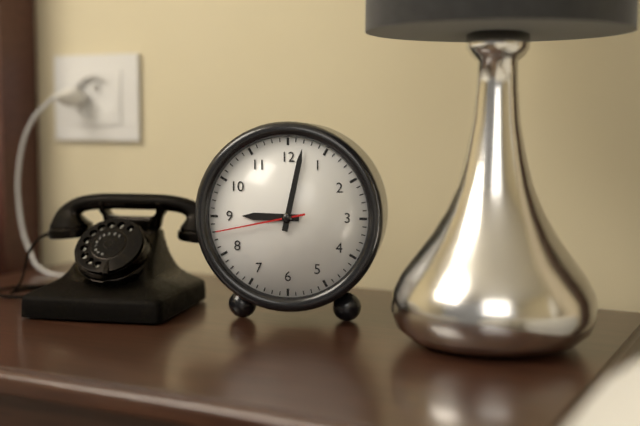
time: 9:02:43
